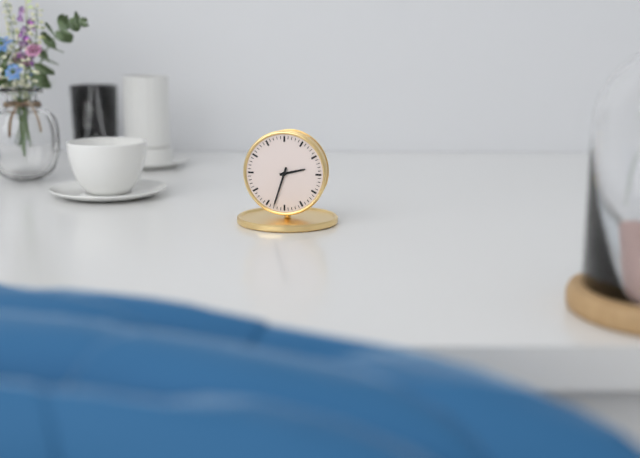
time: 2:33
